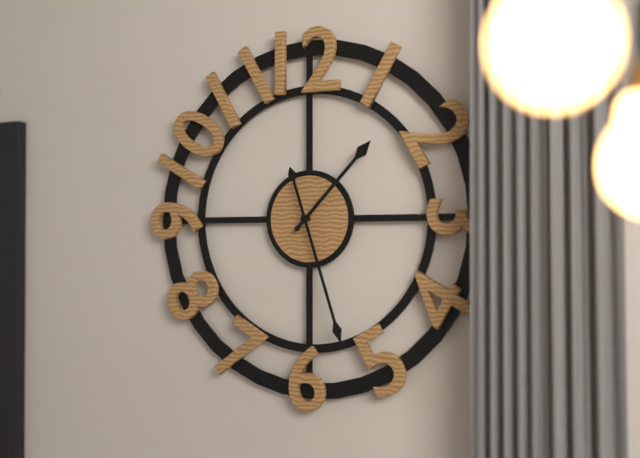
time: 1:27
